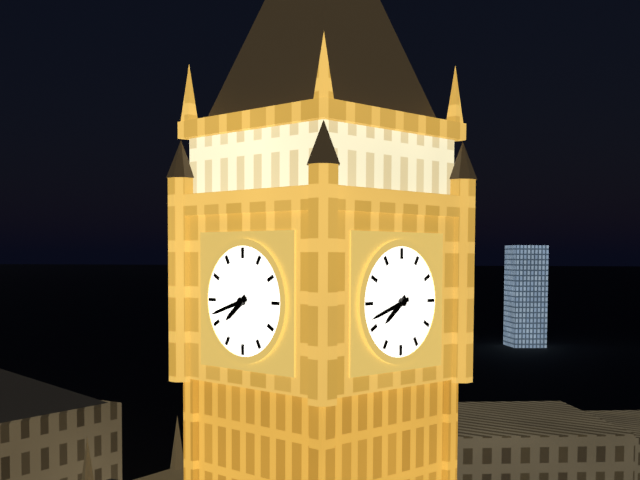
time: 7:42
